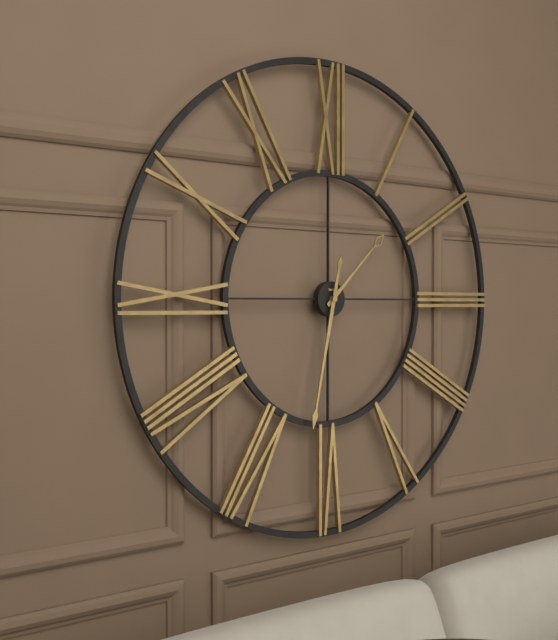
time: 1:32
